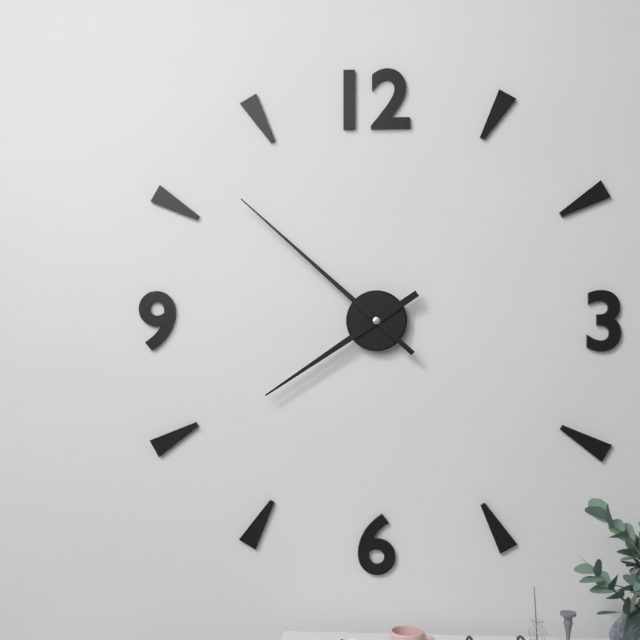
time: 7:52
